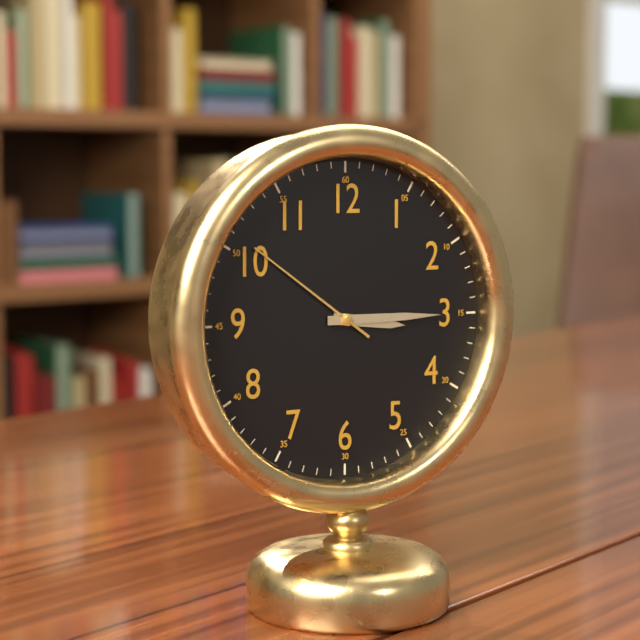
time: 3:15:51
